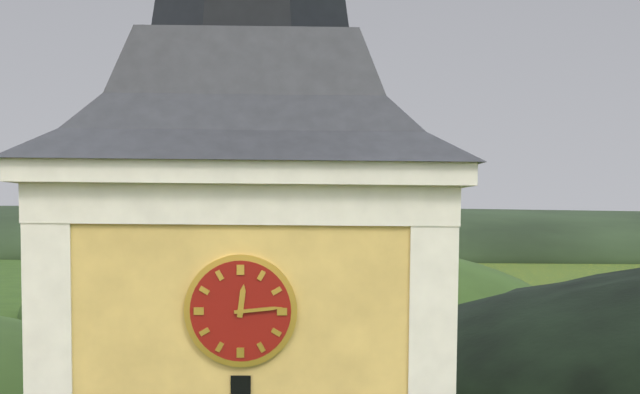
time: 12:14
